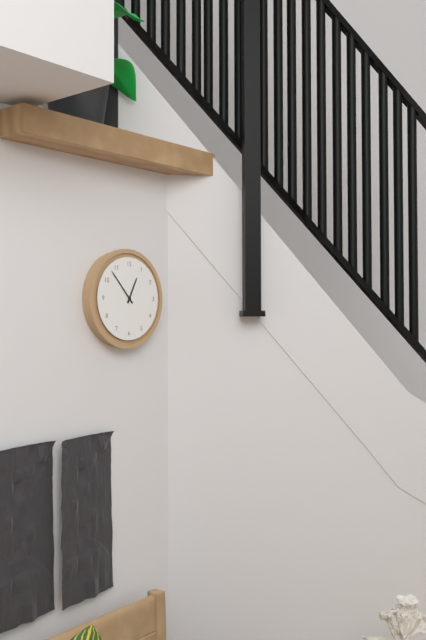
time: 12:53
